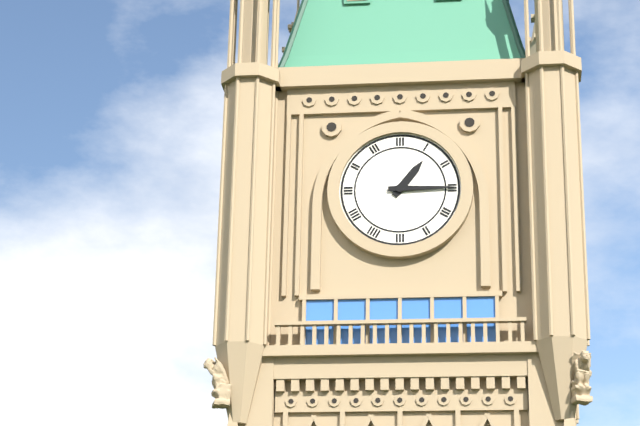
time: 1:15
